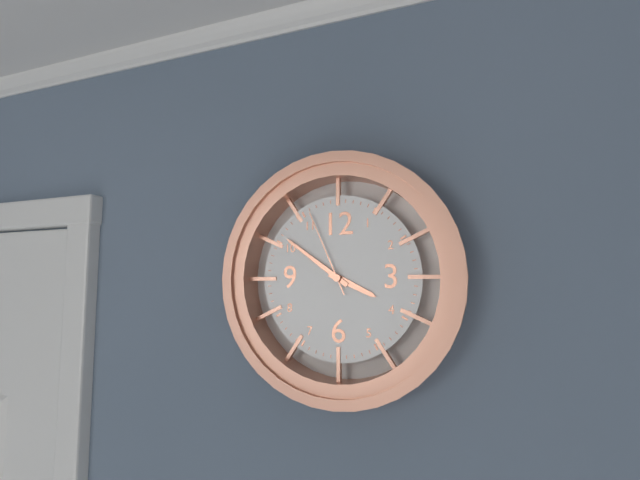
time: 3:51:56
